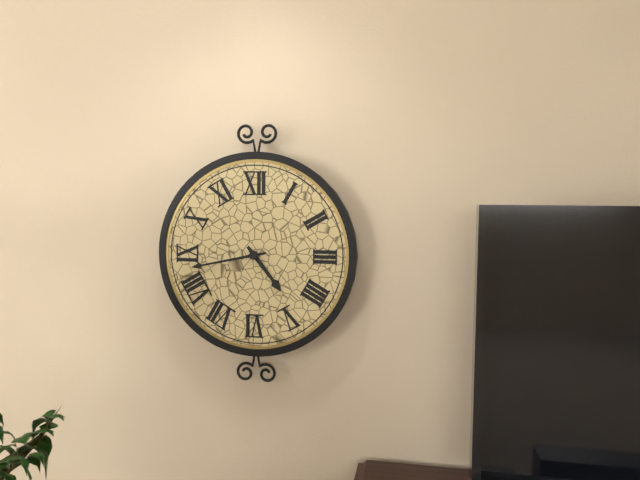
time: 4:43
